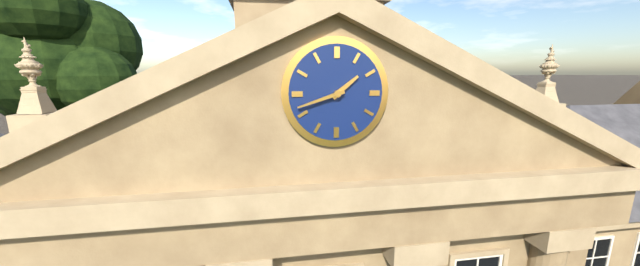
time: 1:42
